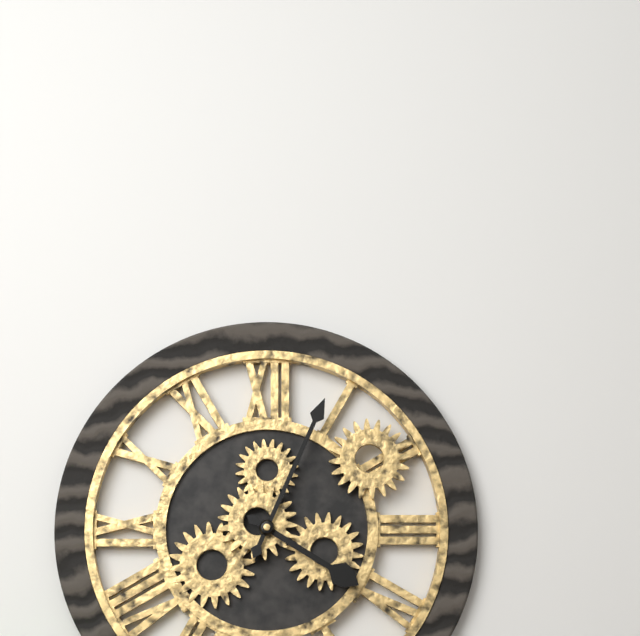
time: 4:04
